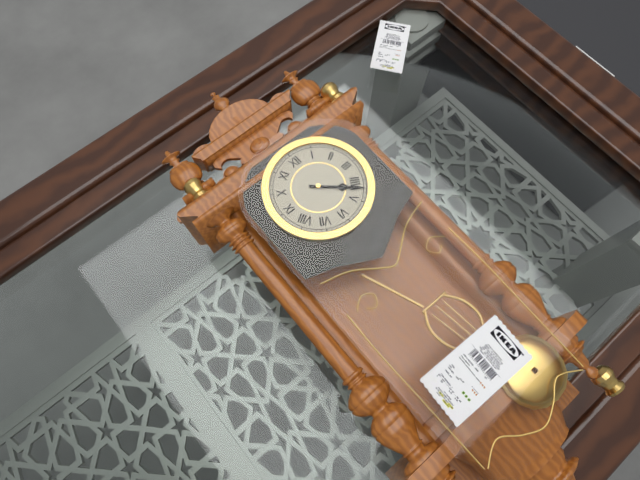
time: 4:22
